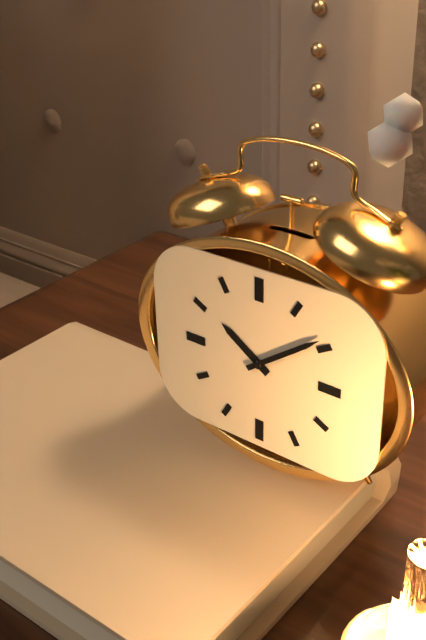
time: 10:09
